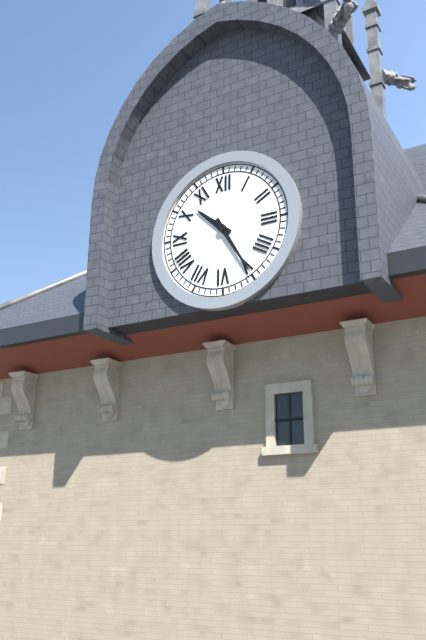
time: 10:25
